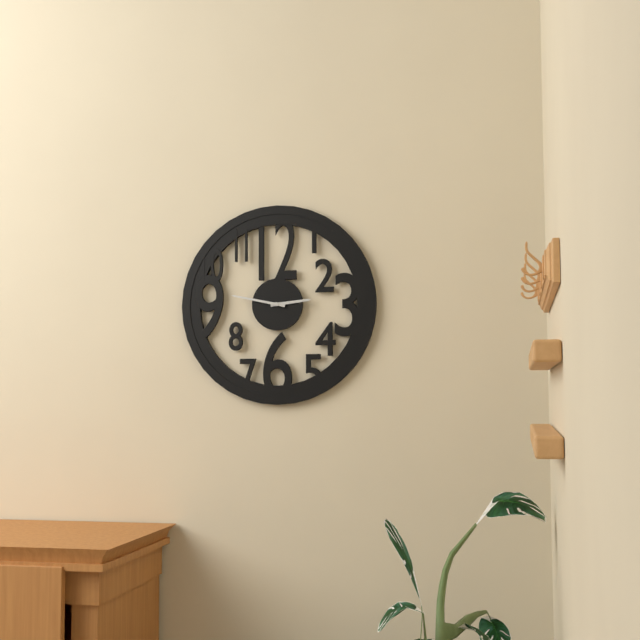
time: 2:47
